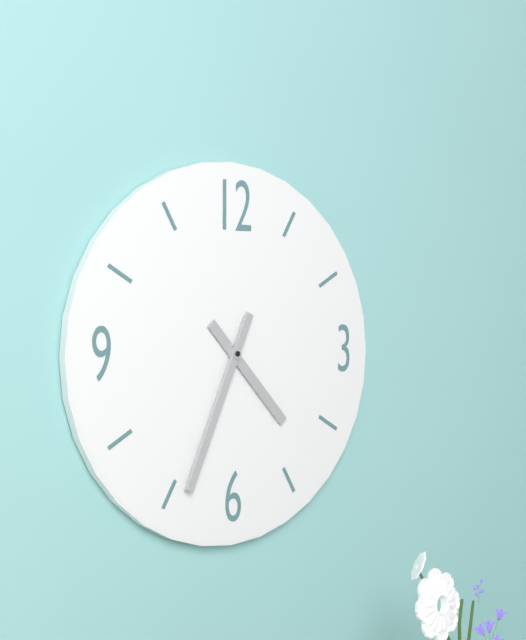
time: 4:34
